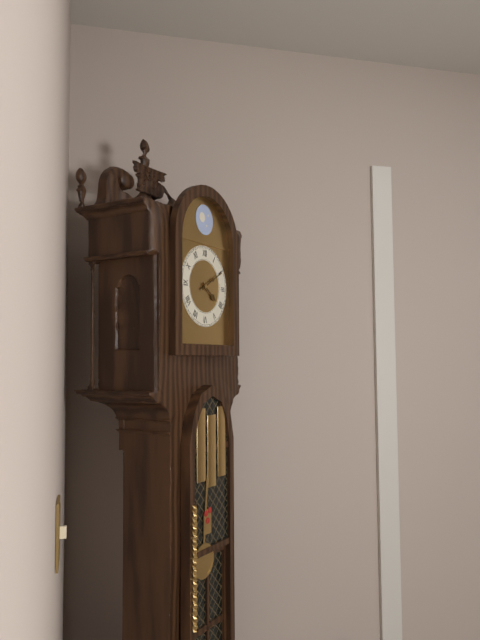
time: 4:10
